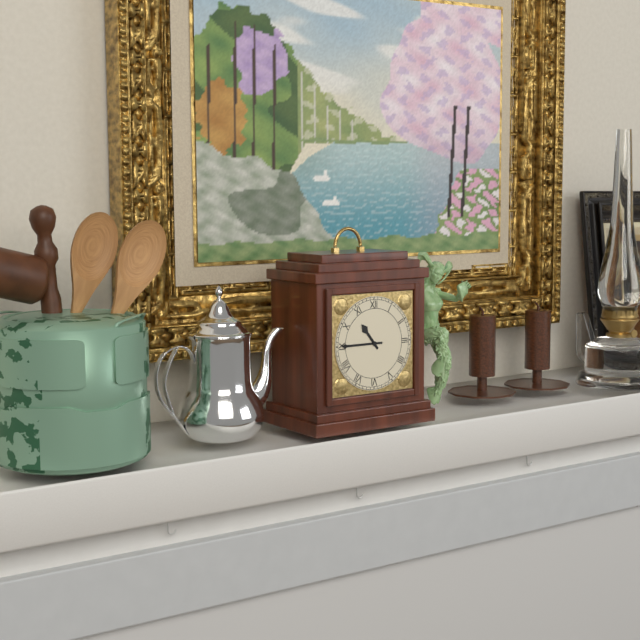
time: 10:45
